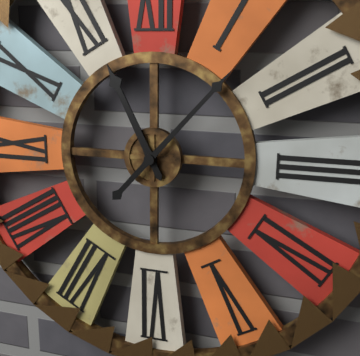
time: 11:07
